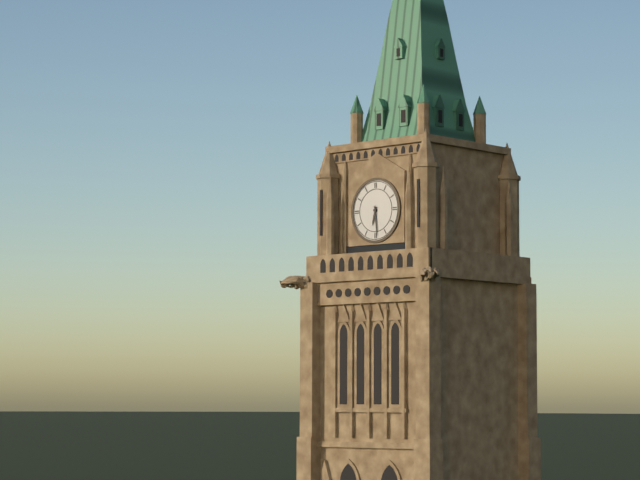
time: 6:29
